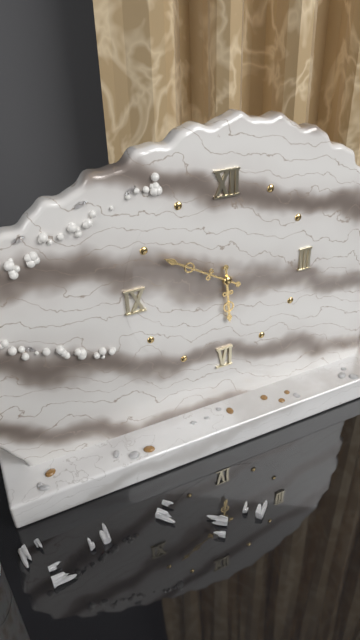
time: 5:50
